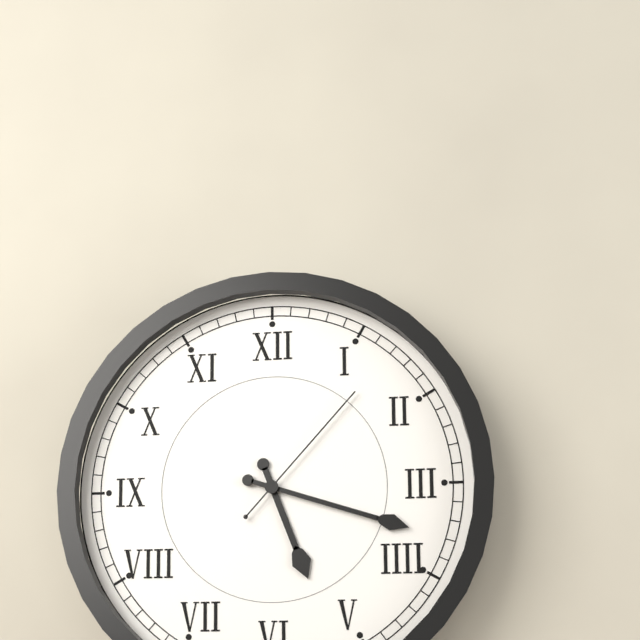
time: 5:18:07
